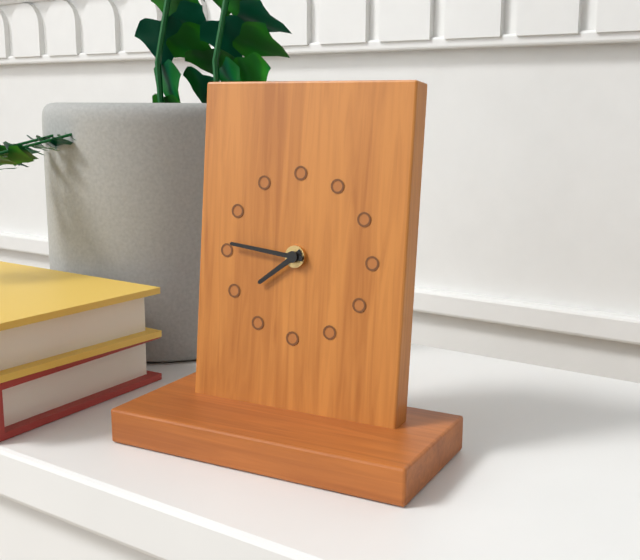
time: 7:46
